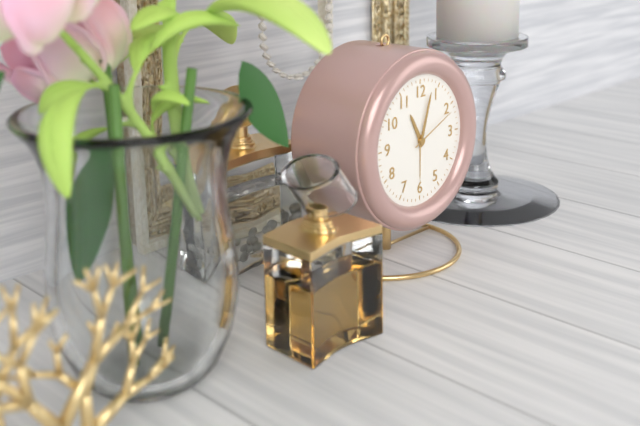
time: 11:03:11
